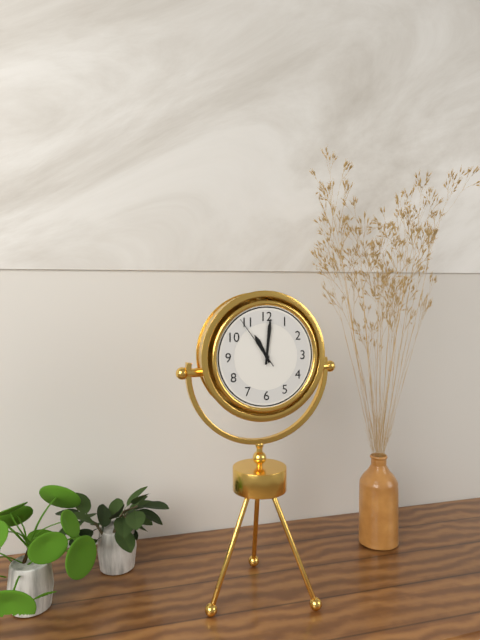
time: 11:01:54
